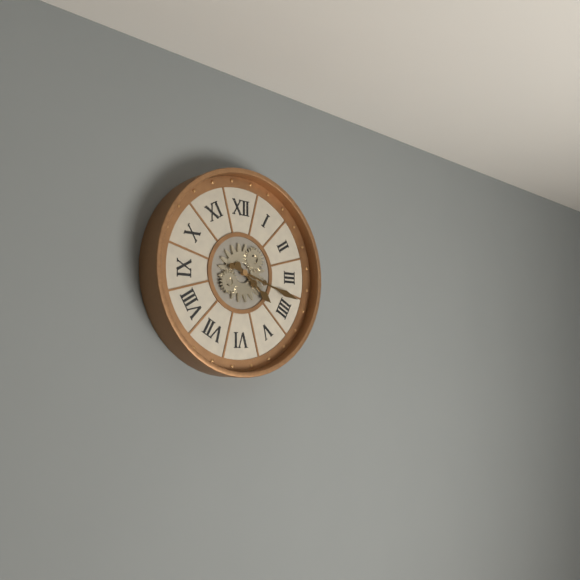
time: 4:18
